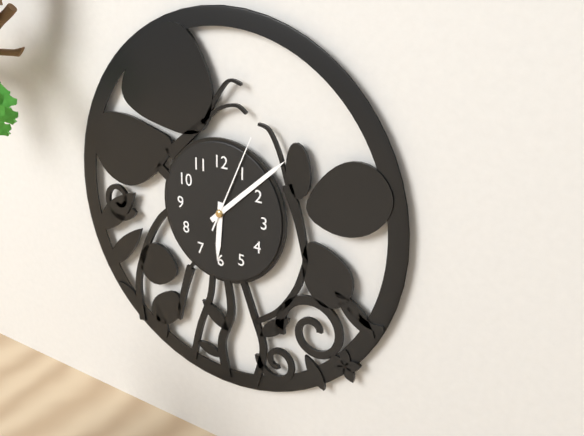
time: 6:08:04
